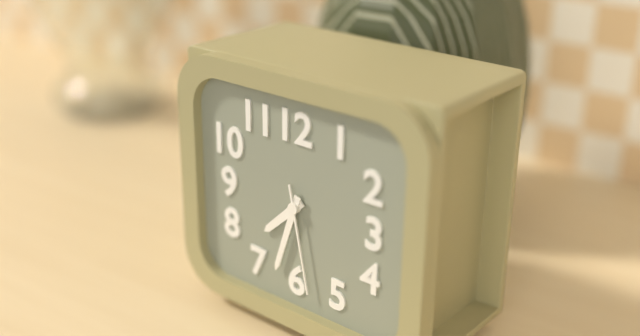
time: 7:33:28
